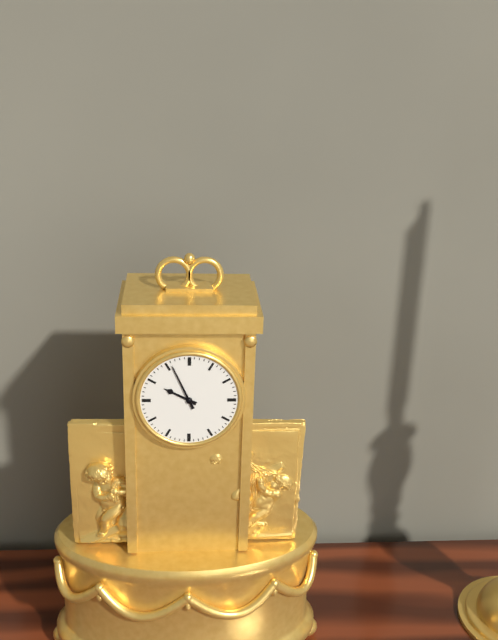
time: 9:56
